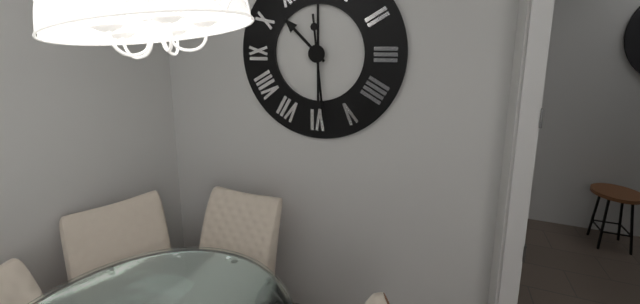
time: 10:29
